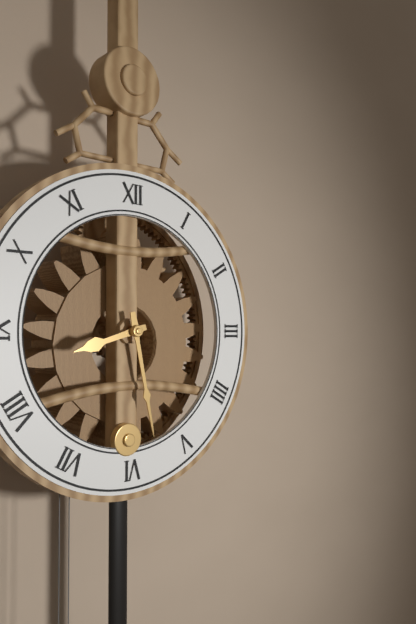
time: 8:28
